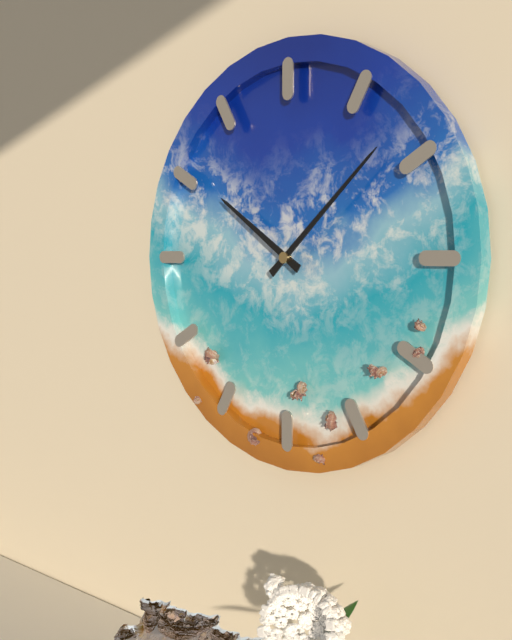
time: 10:08
